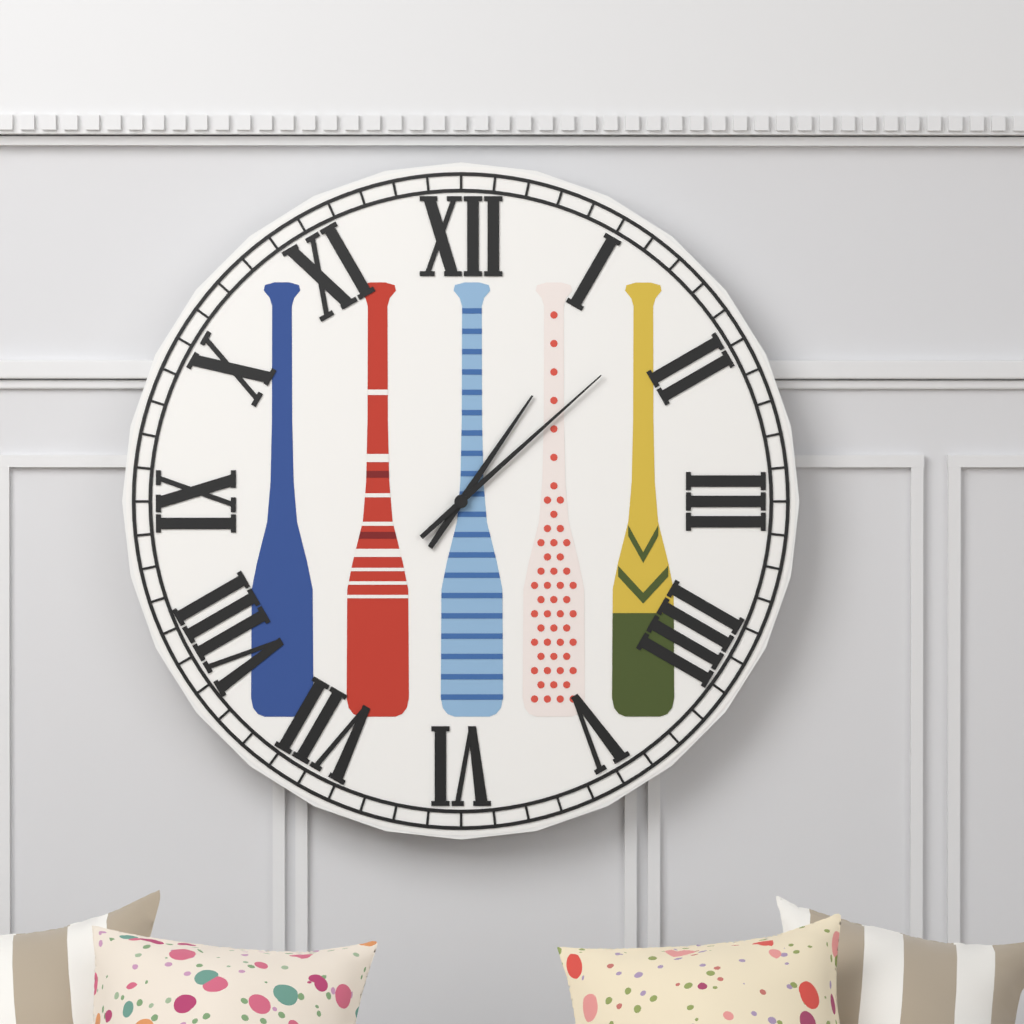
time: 1:08
